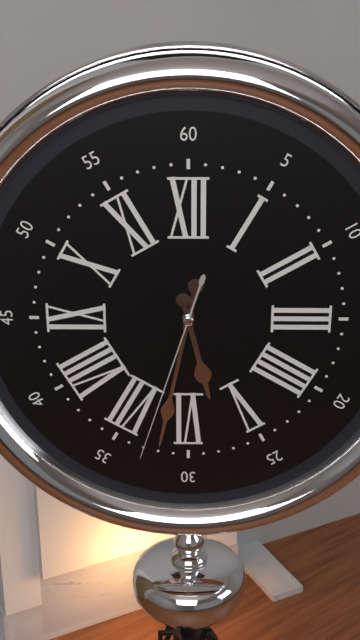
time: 5:32:33
